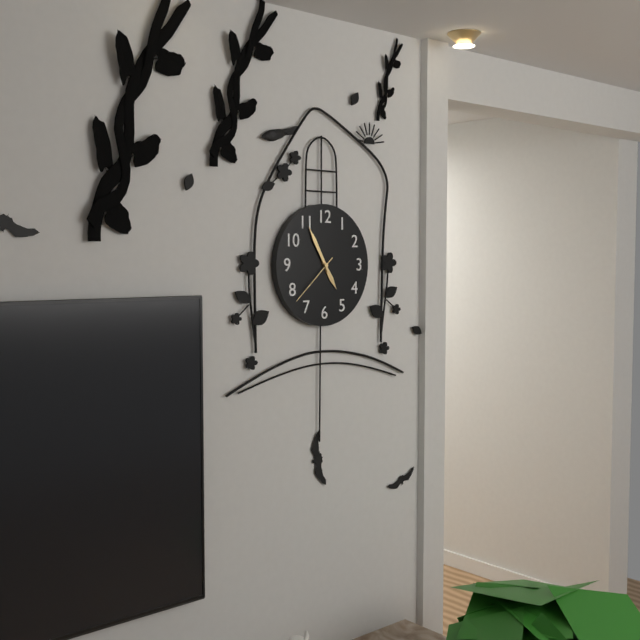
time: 4:55:38
